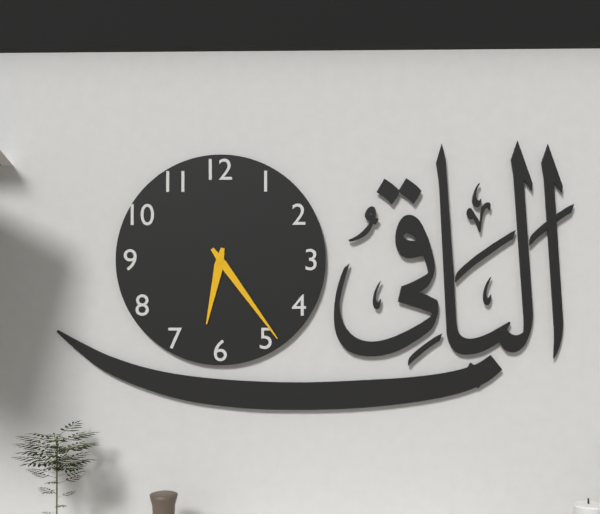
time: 6:24
